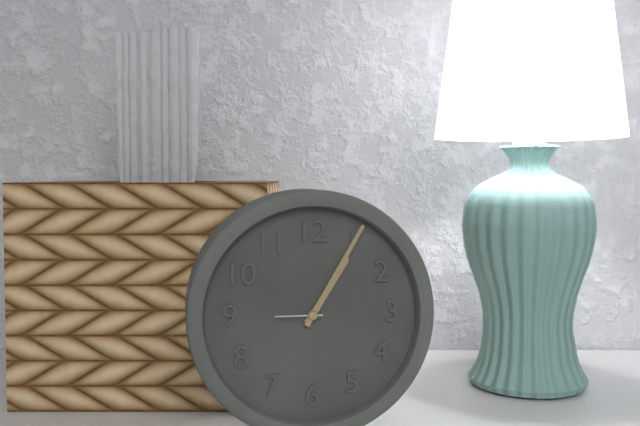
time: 1:05
